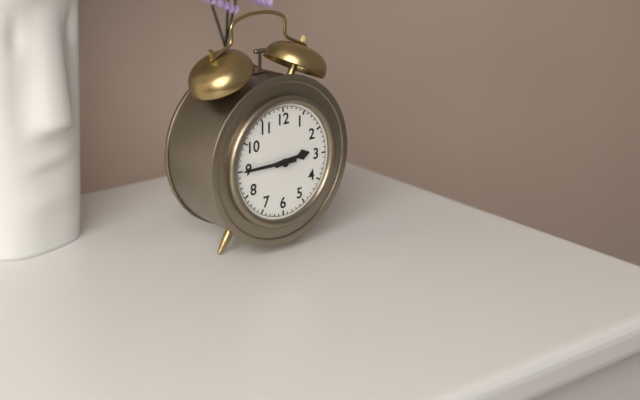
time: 2:45
